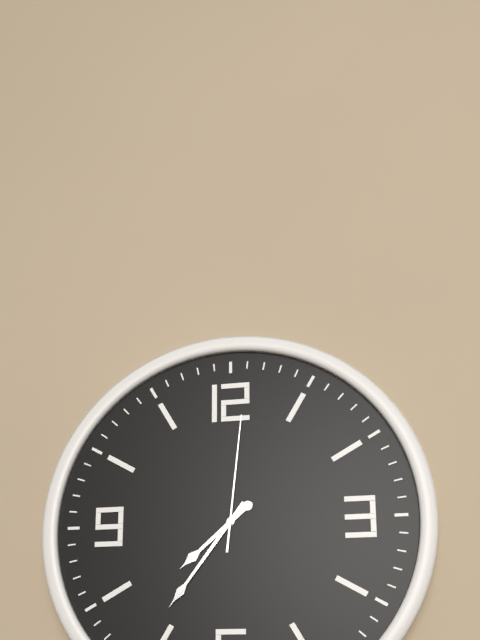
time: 7:36:01
